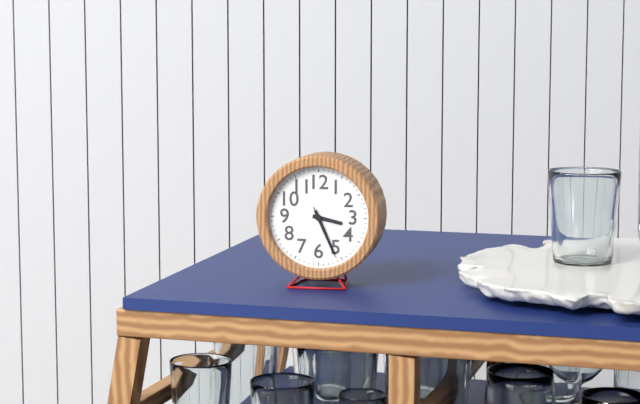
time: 3:26:26
